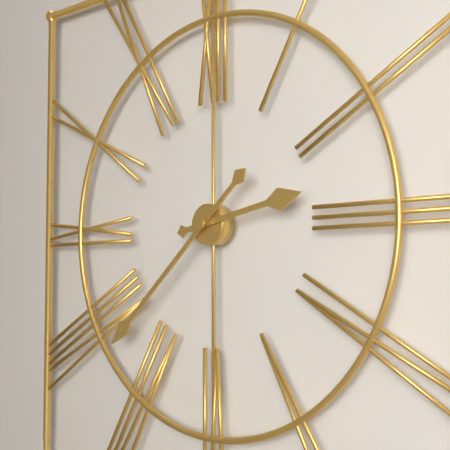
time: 2:38
